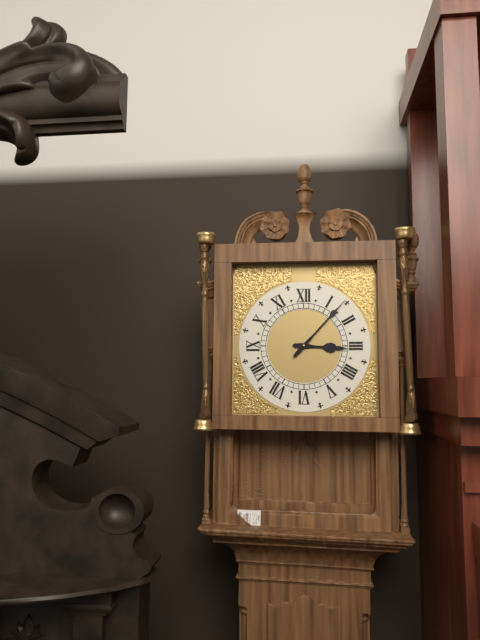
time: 3:07
